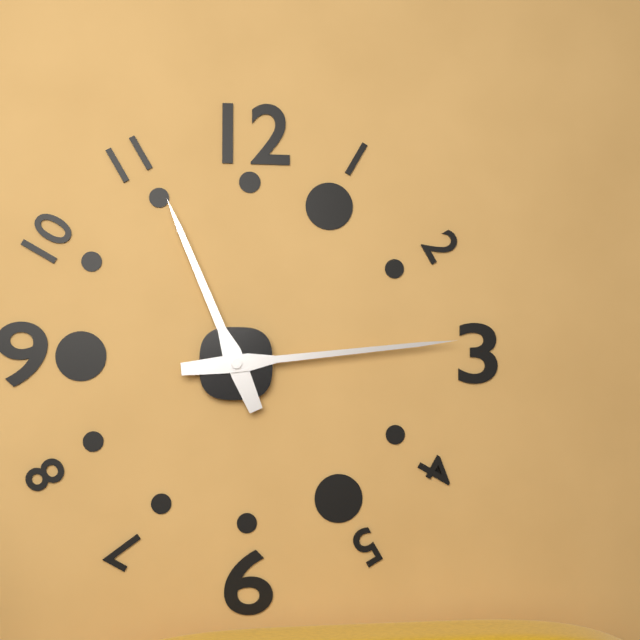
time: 11:14
